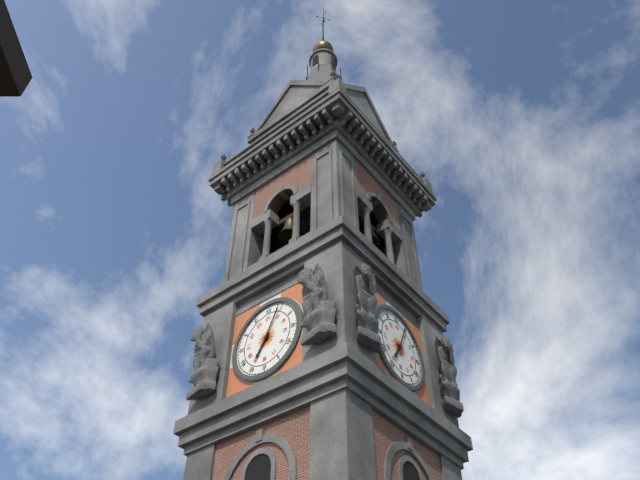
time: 7:04
